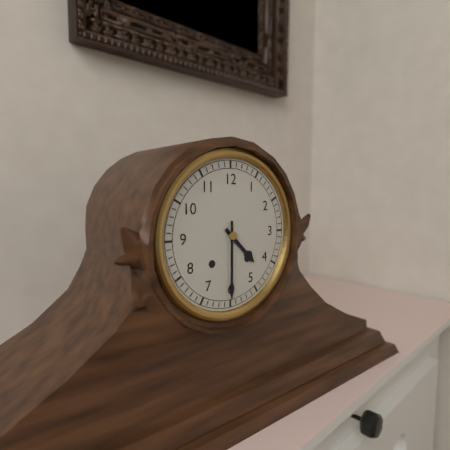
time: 4:30
